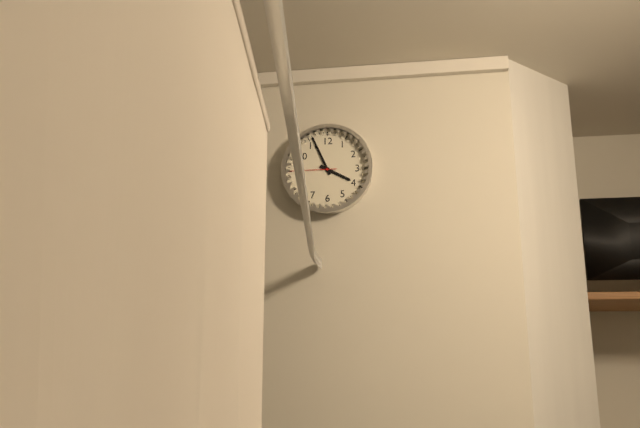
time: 3:56
